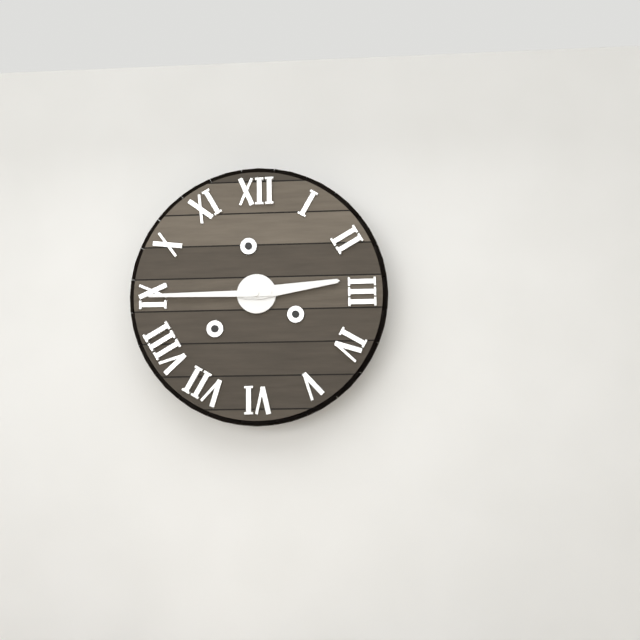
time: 2:45
